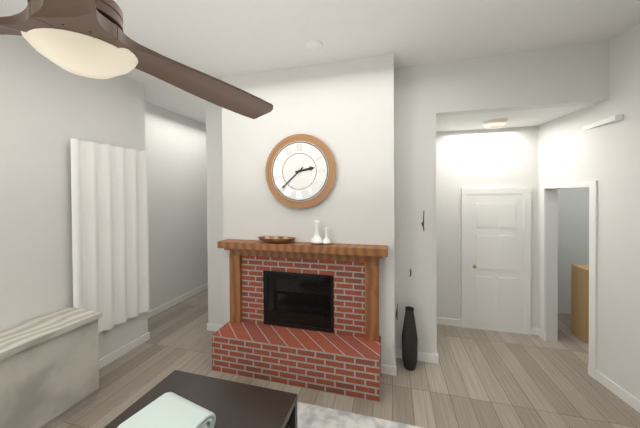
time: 2:38
